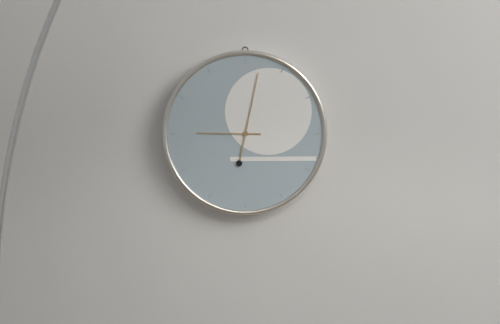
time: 9:02
